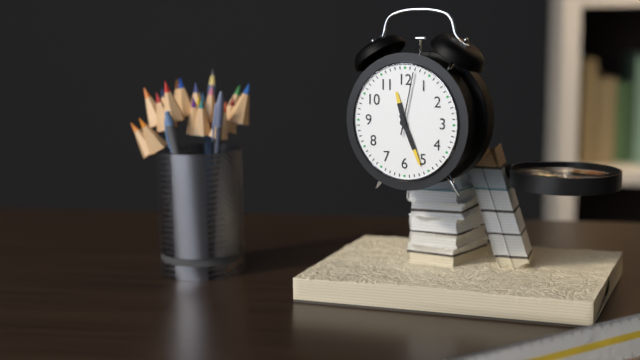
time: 11:26:02
